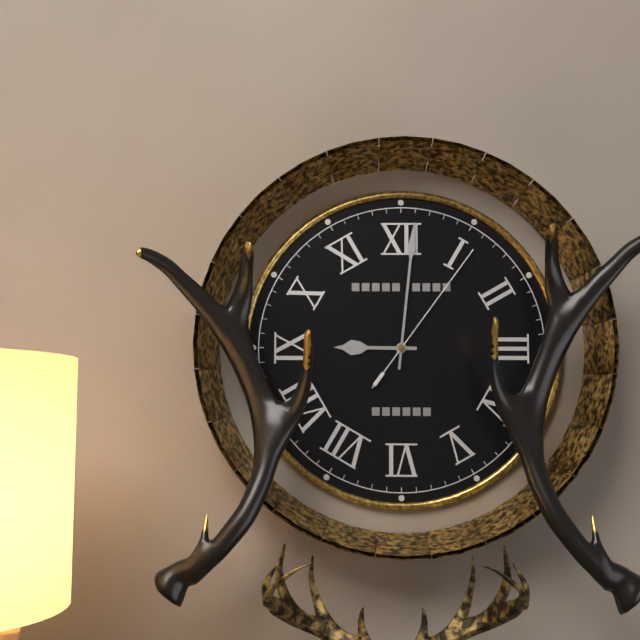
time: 9:01:06
